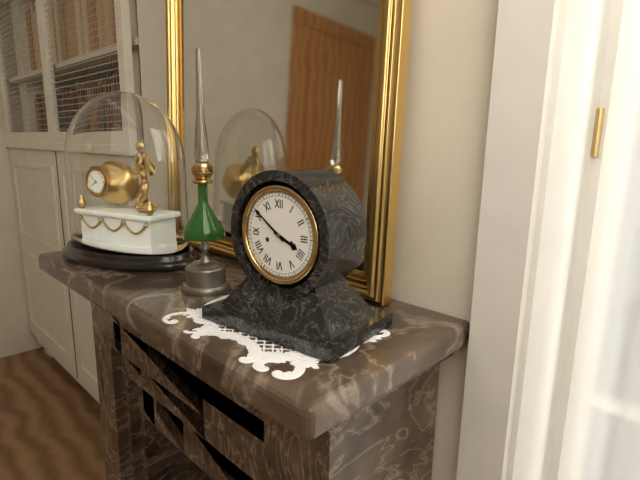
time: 3:51
